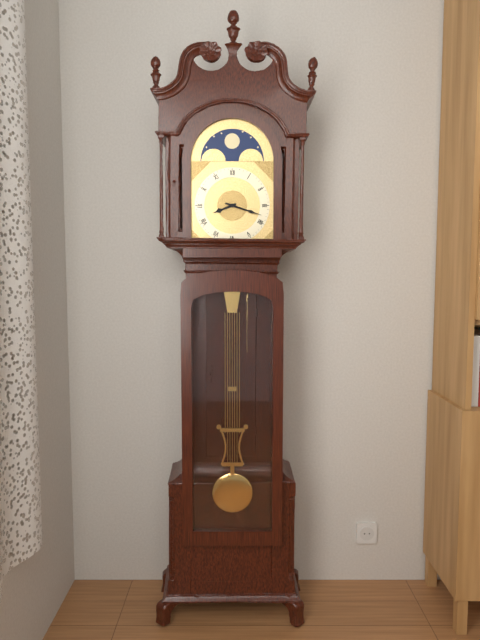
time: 8:18
